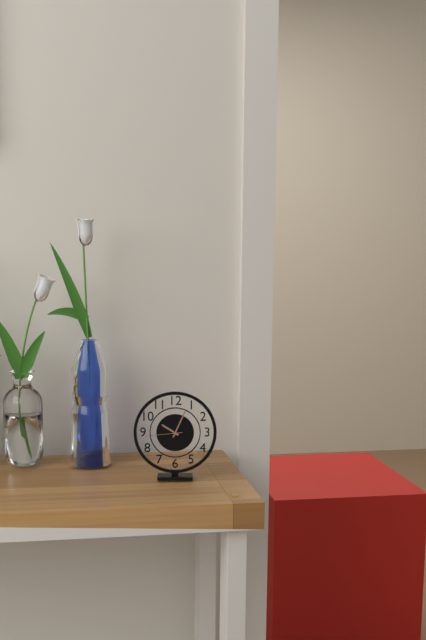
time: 10:04
